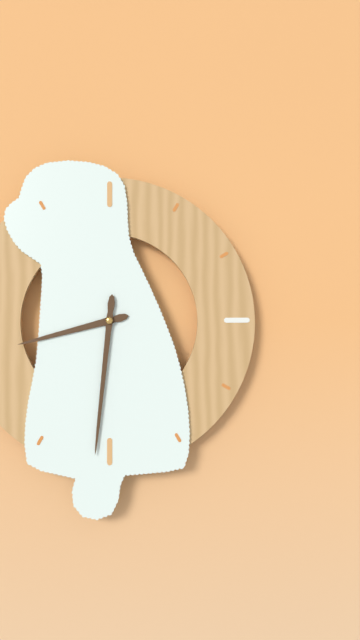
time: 8:31
